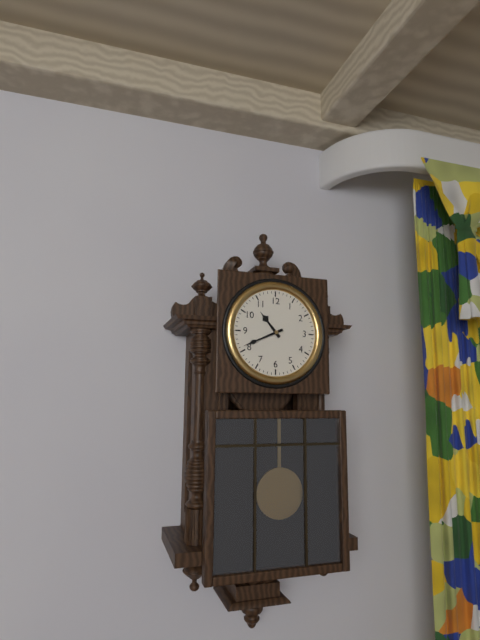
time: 10:41
